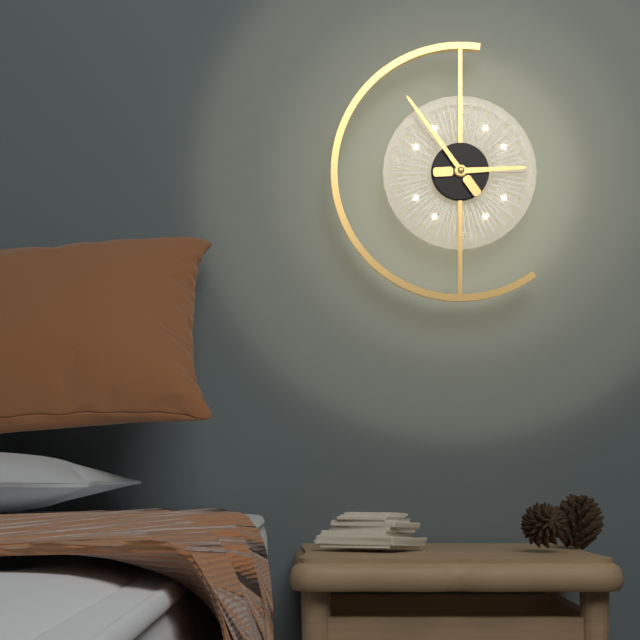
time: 2:54
